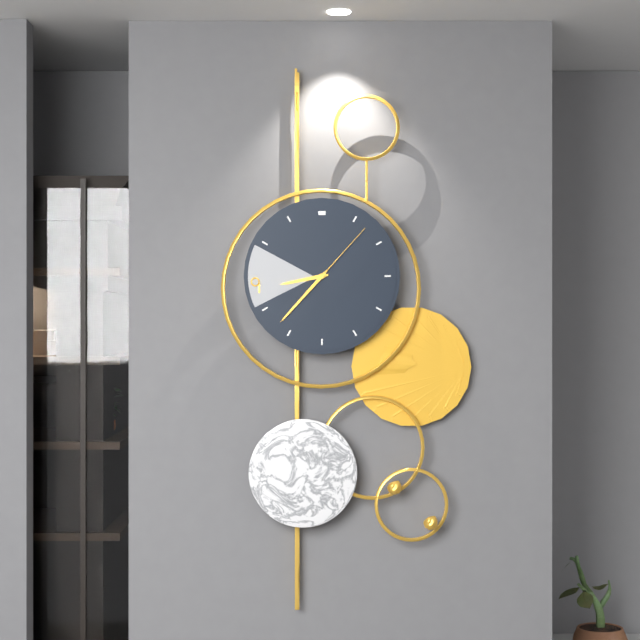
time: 8:37:07
